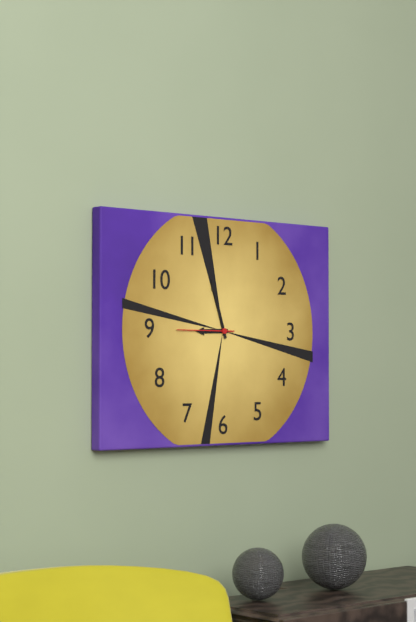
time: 8:57:45
